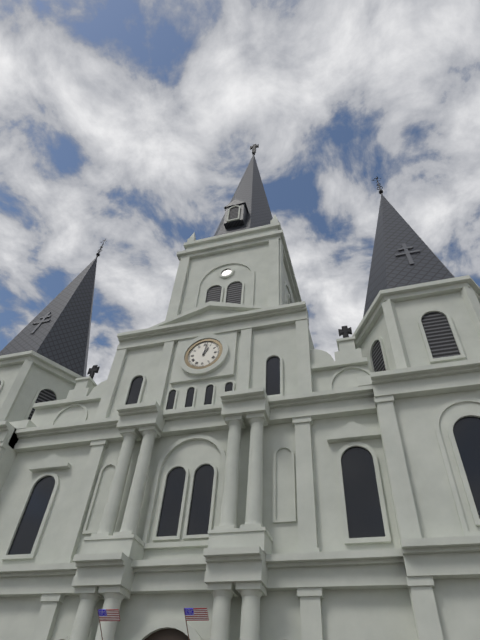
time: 1:02
